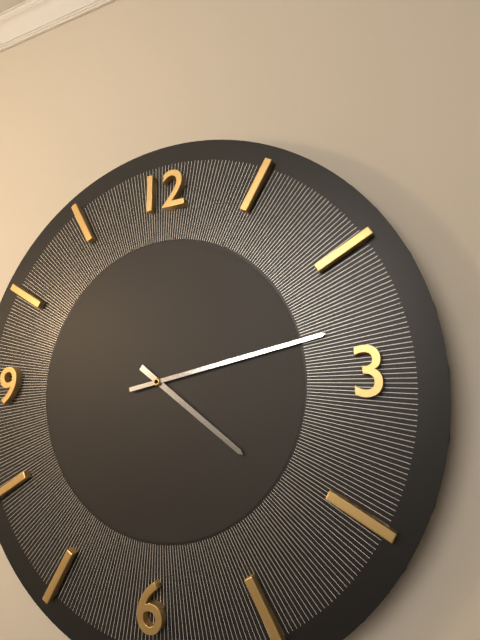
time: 4:13
